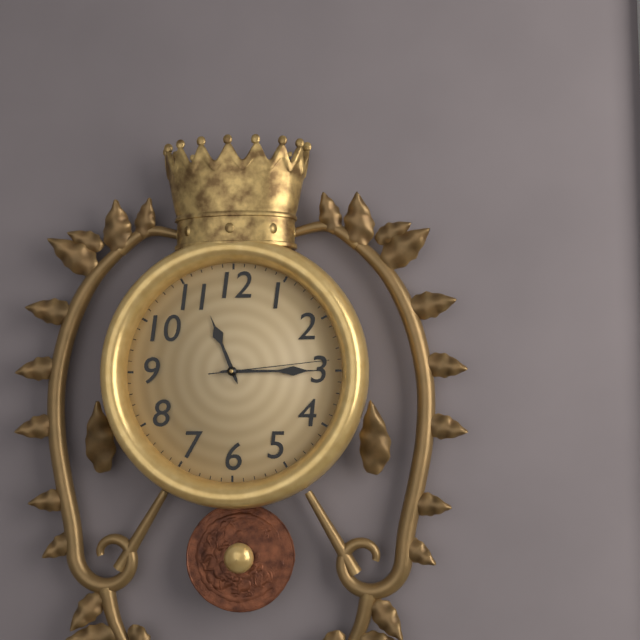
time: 11:15:14
